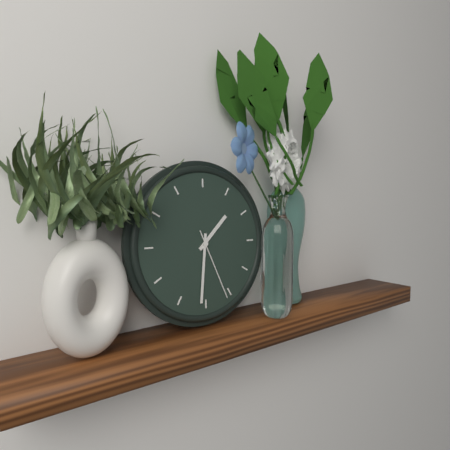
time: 1:31:26
